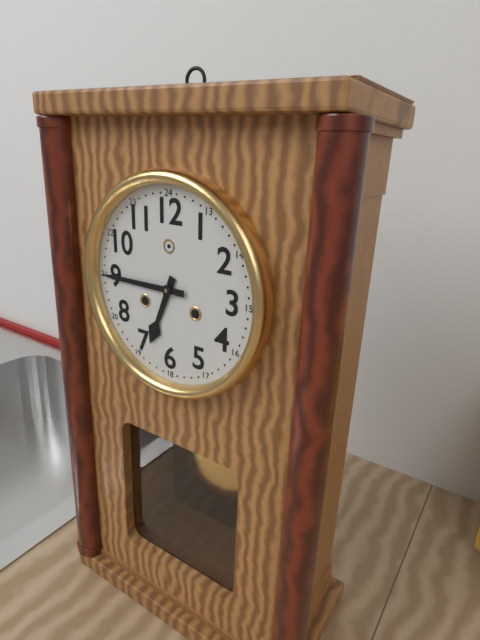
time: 6:45
